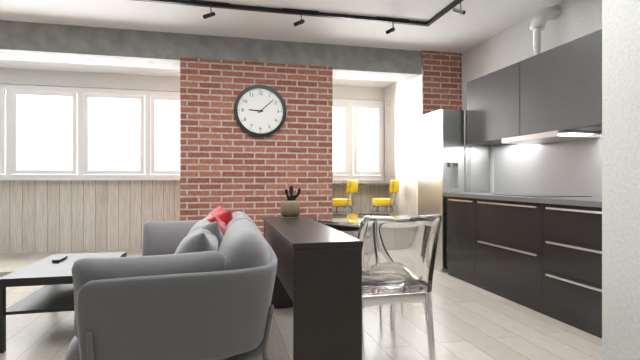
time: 9:08
